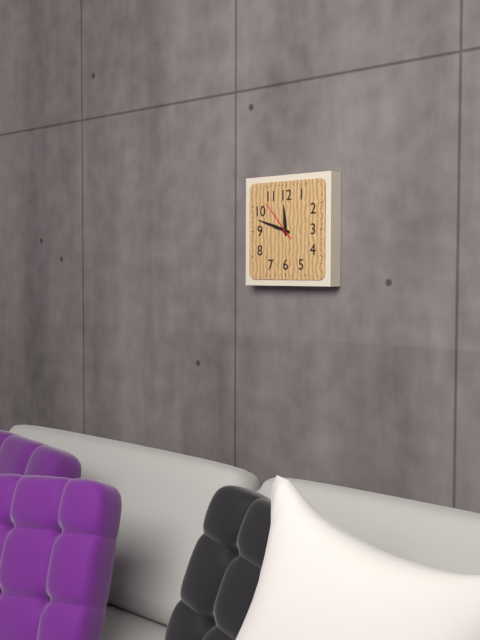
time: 11:48
